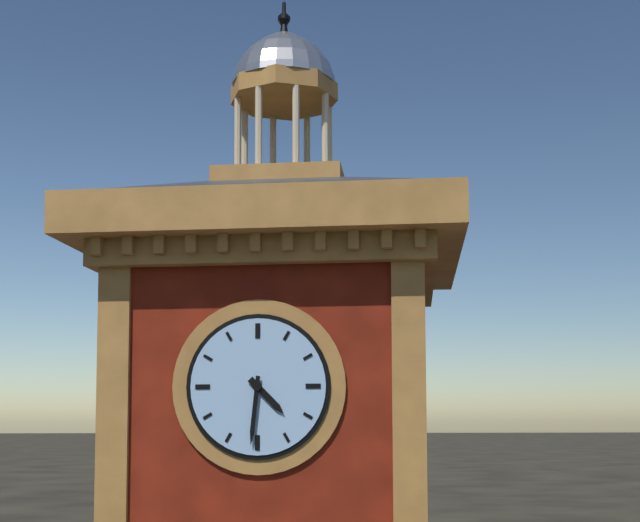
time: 4:31
